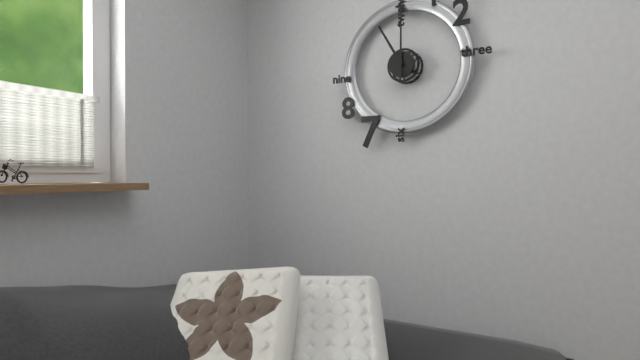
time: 11:00
